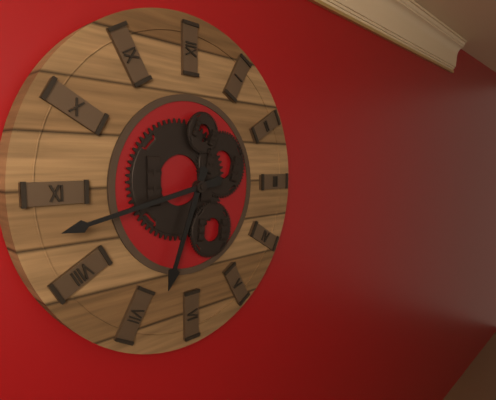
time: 6:43
